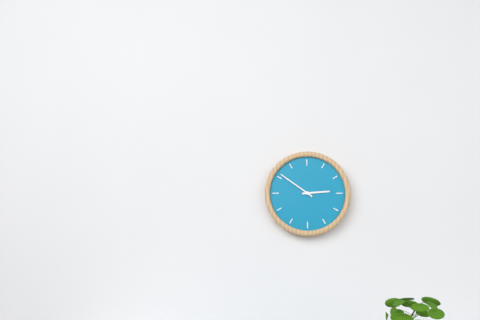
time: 2:51
